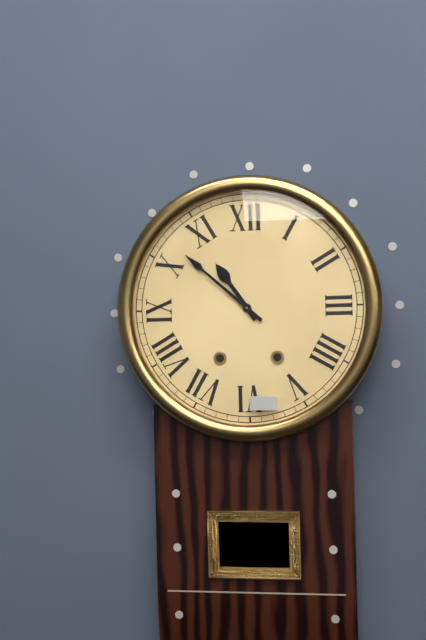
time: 10:52
